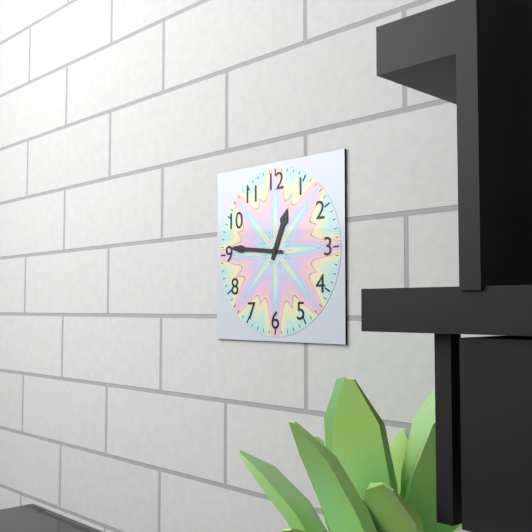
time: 12:46
